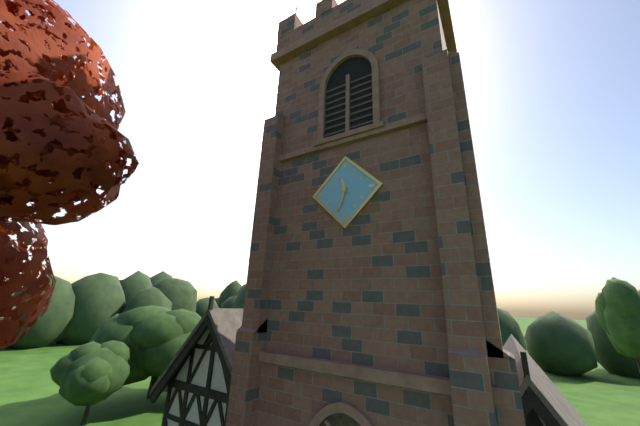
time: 11:33
